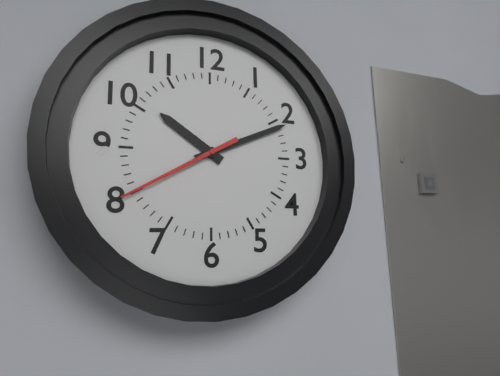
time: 10:11:40
